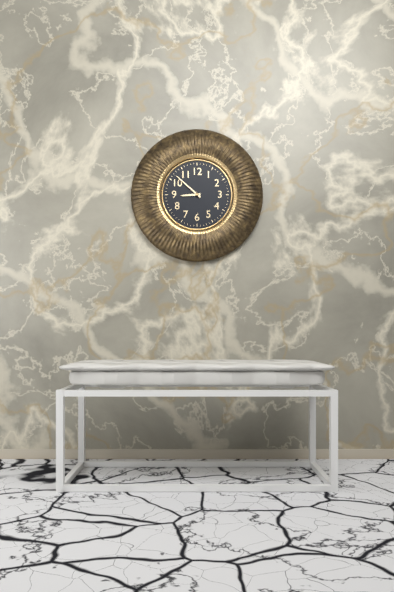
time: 8:52
